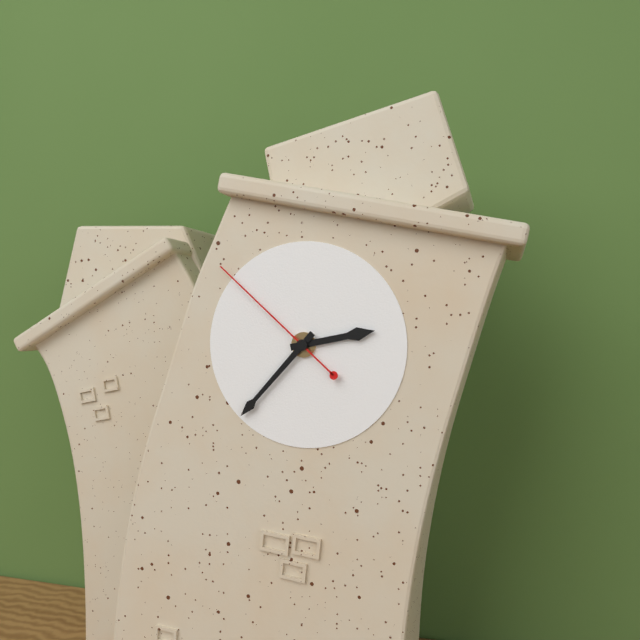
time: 2:37:52
